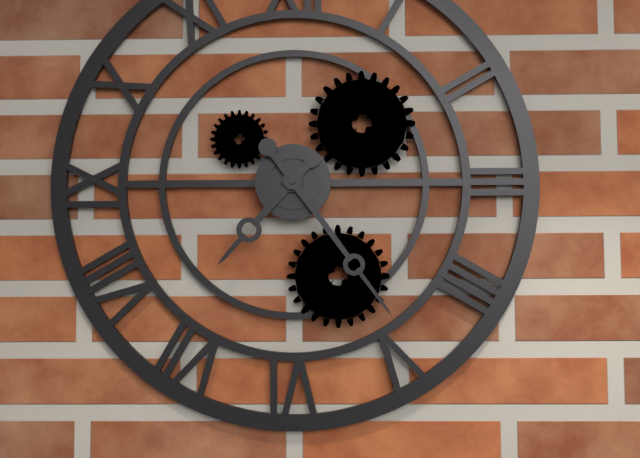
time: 7:24
